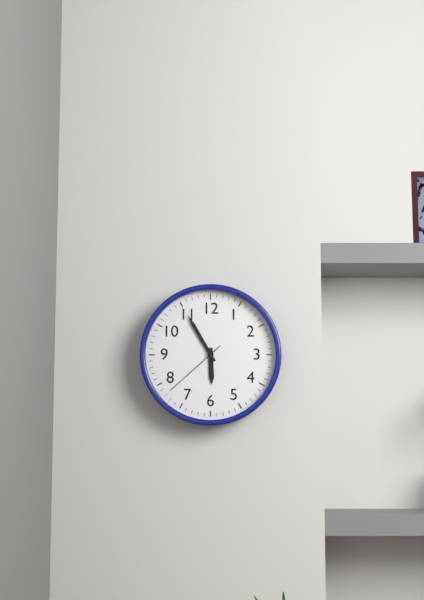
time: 5:55:38
